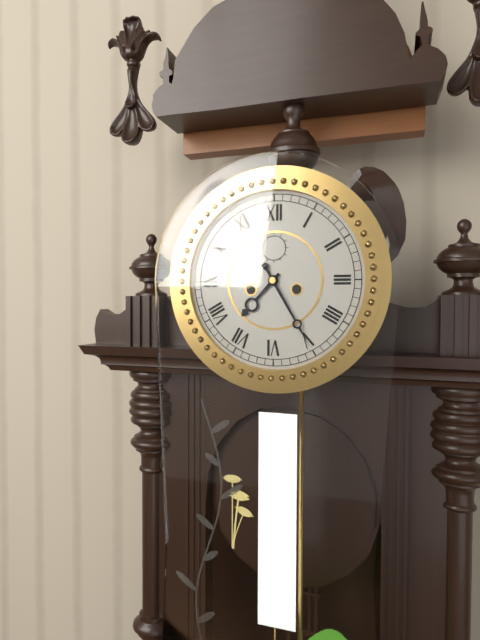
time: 7:25
